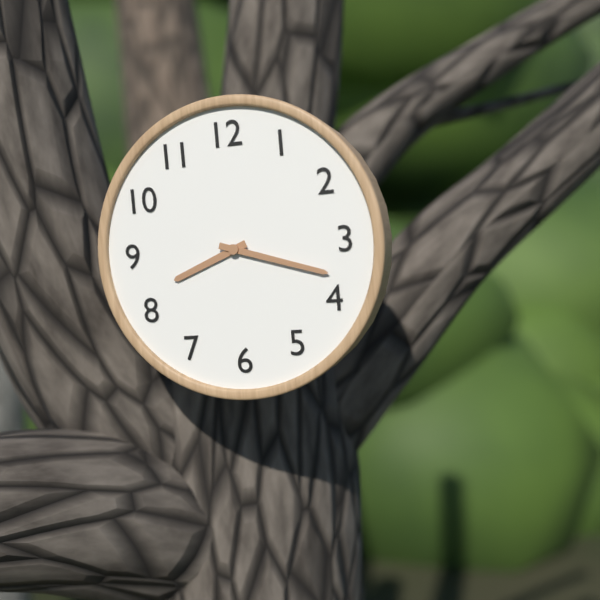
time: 8:18
